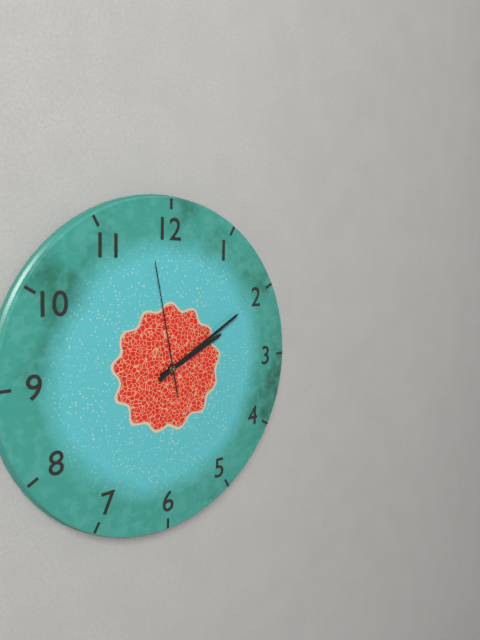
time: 2:10:58
